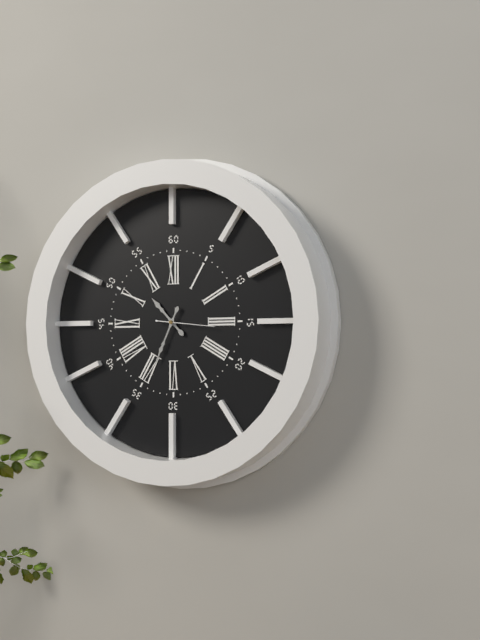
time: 10:34:16
